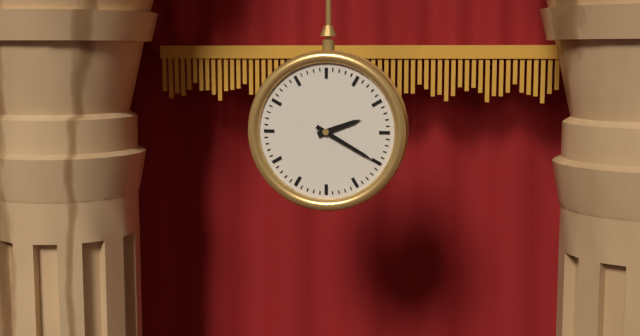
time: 2:20
